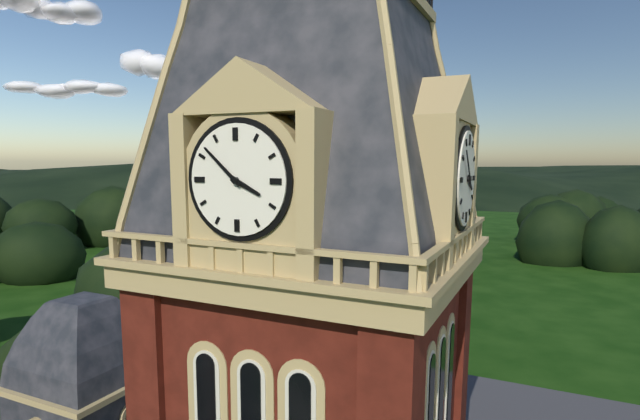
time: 3:52
